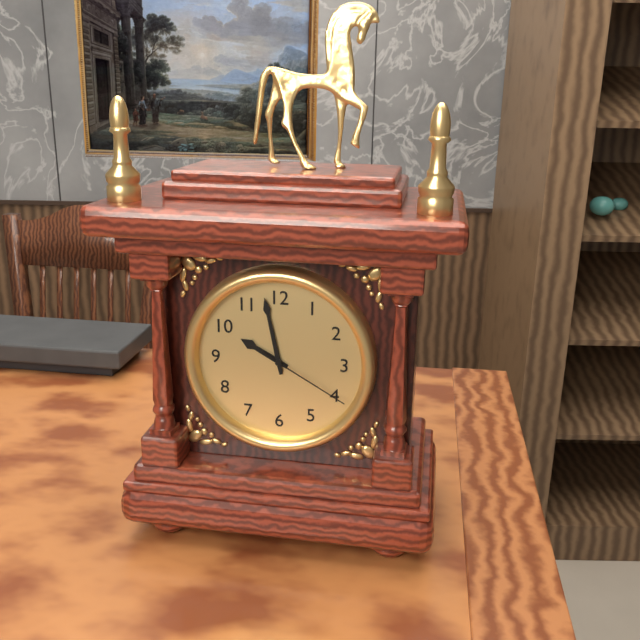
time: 9:58:20
